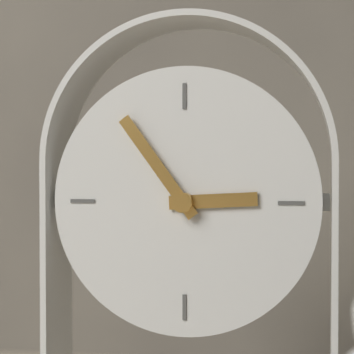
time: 2:54
